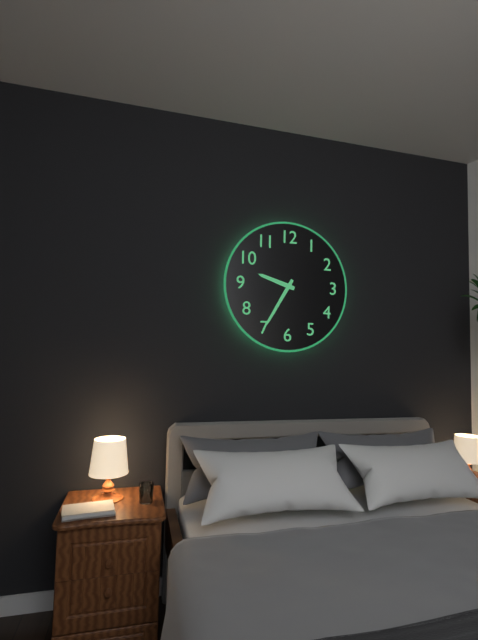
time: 9:35
